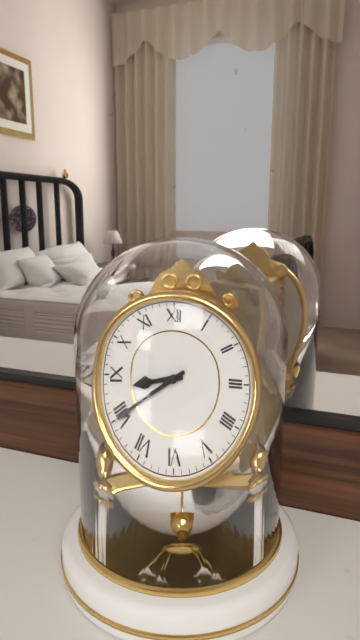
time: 8:40
